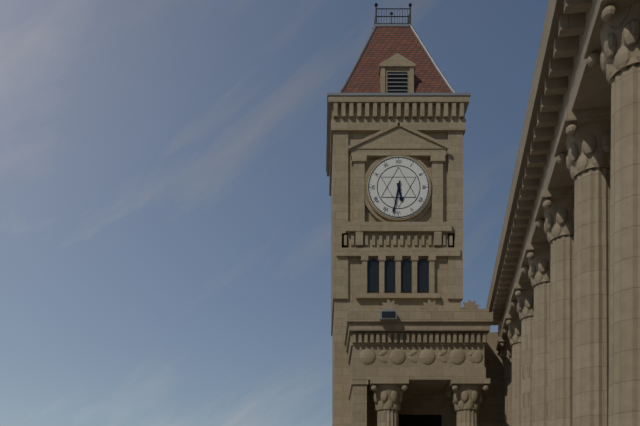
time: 5:32
